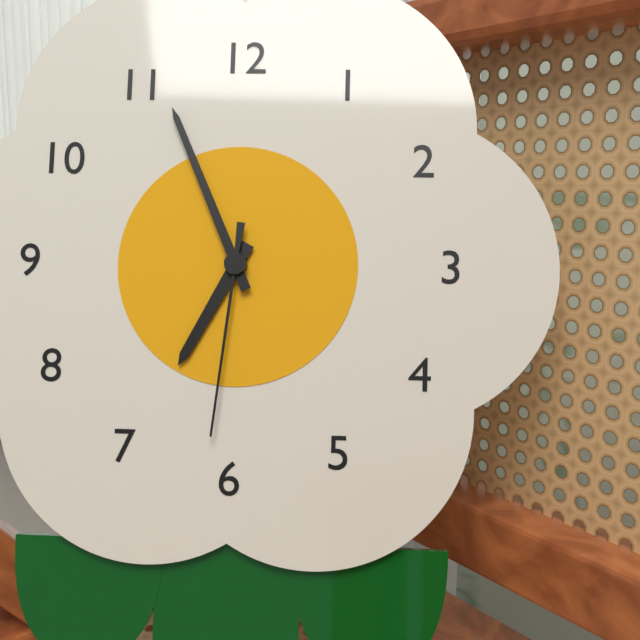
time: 6:56:31
